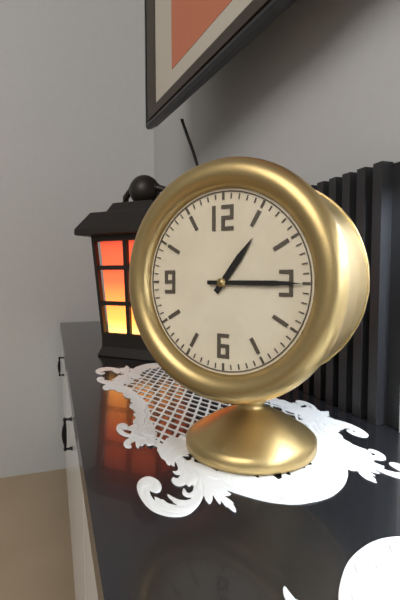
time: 1:15
